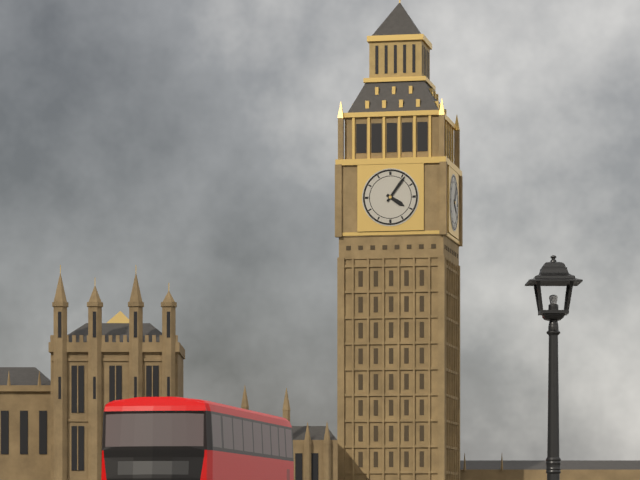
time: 4:06
